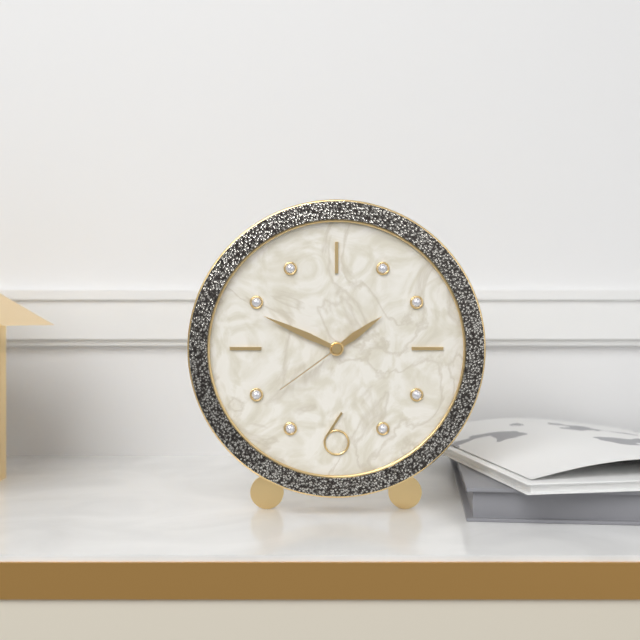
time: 1:49:39
